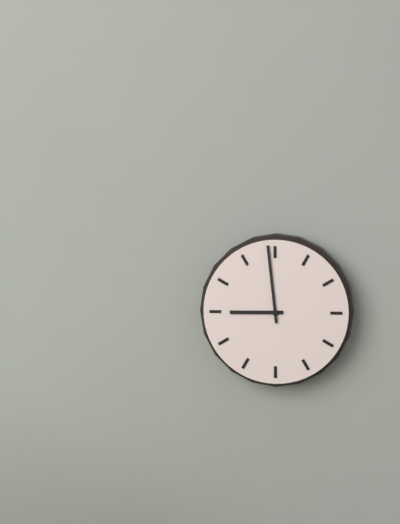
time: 8:59
